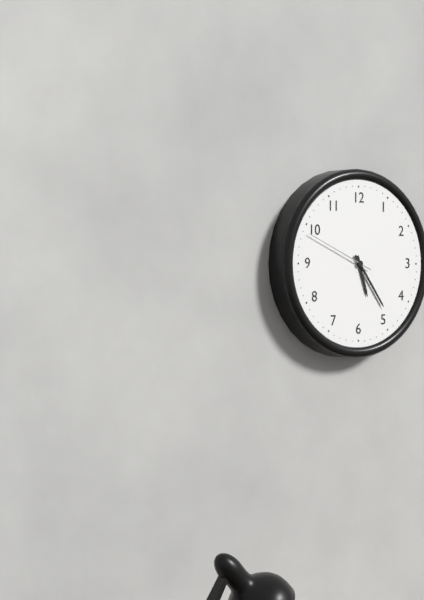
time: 5:24:49
